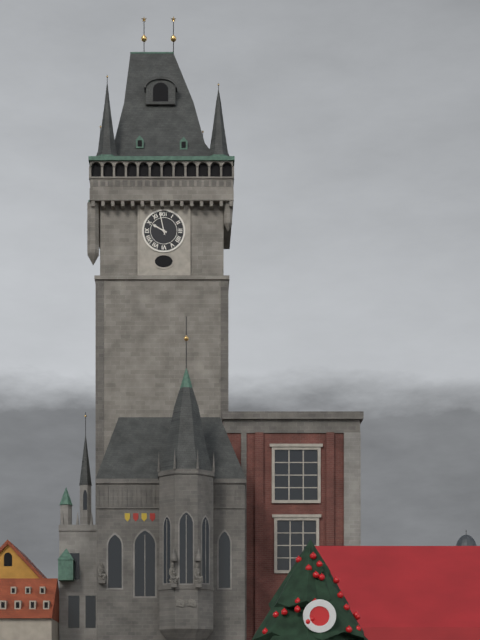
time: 9:58
